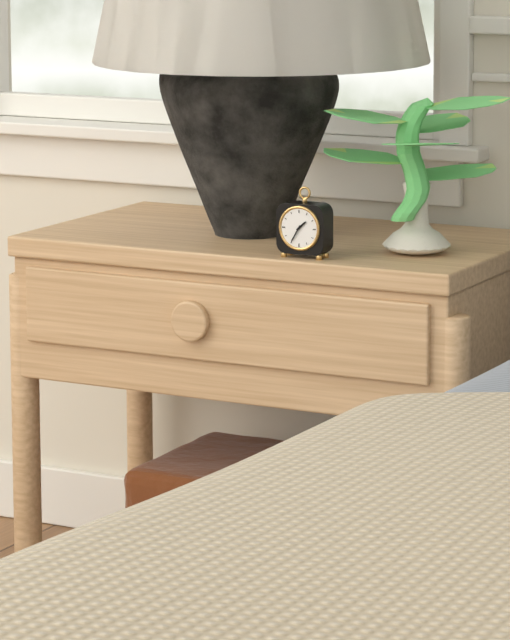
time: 1:35
